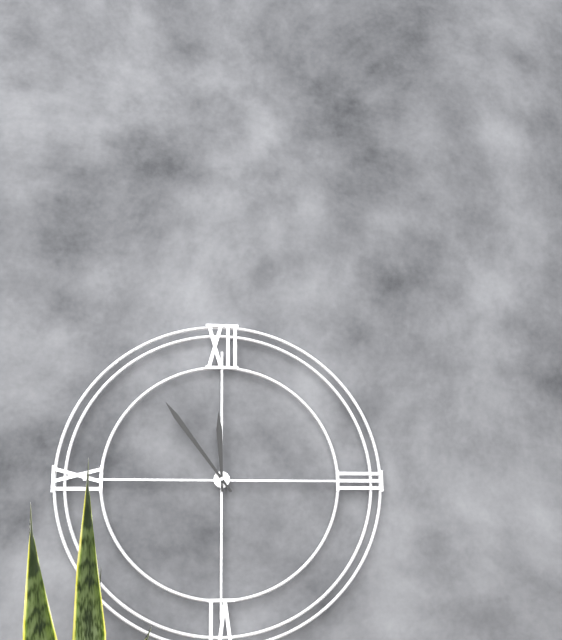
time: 11:54
